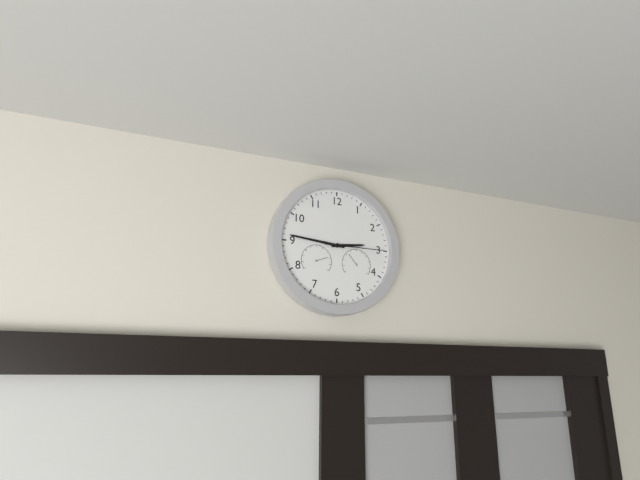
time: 2:46:15
